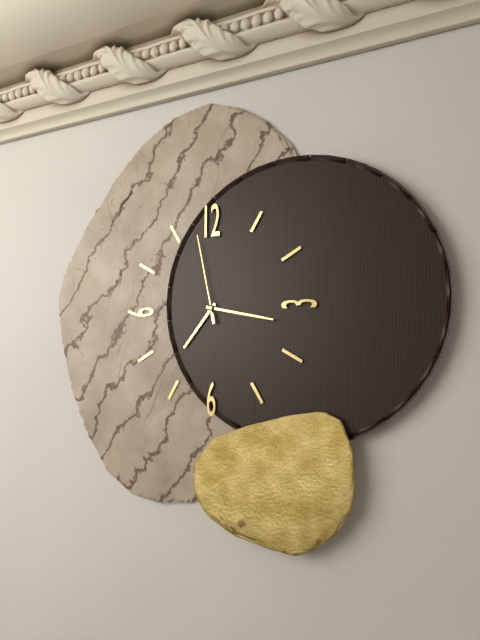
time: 7:17:58
